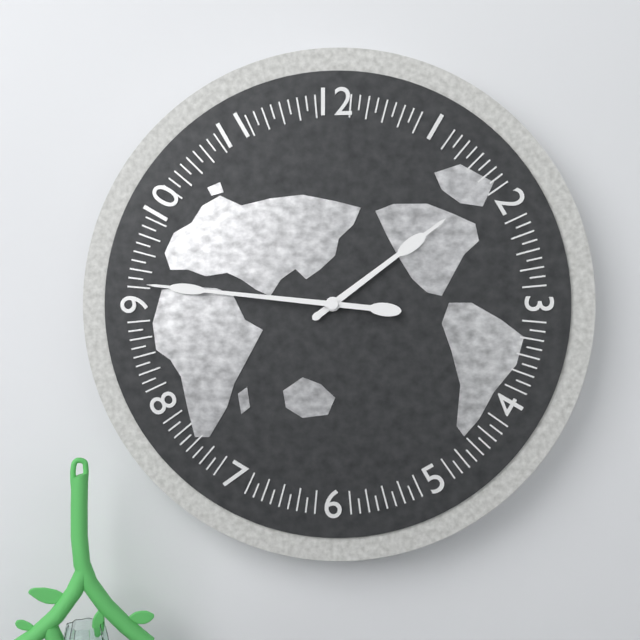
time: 1:46
